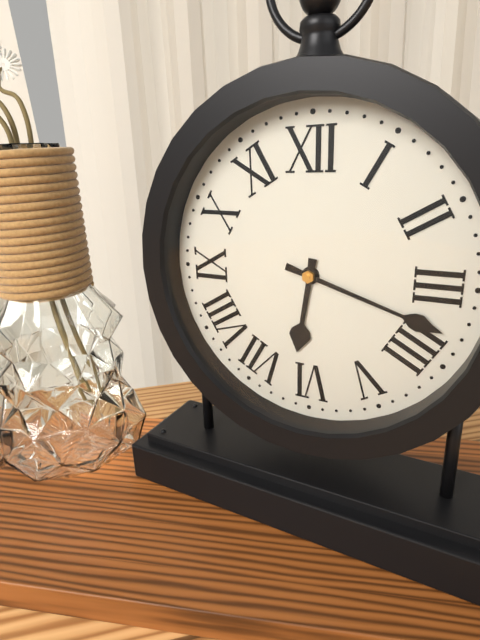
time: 6:18
